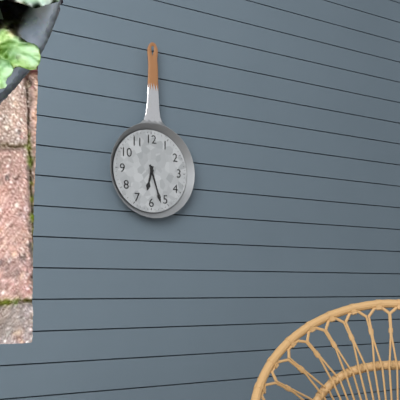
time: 6:27
